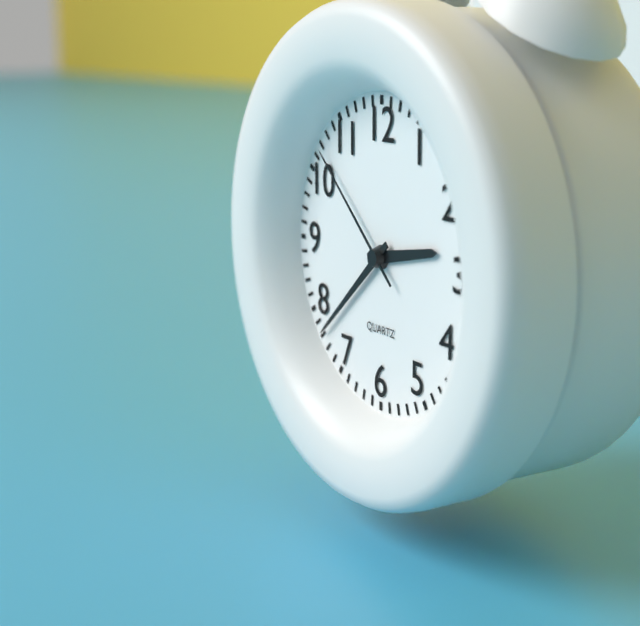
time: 2:38:52
